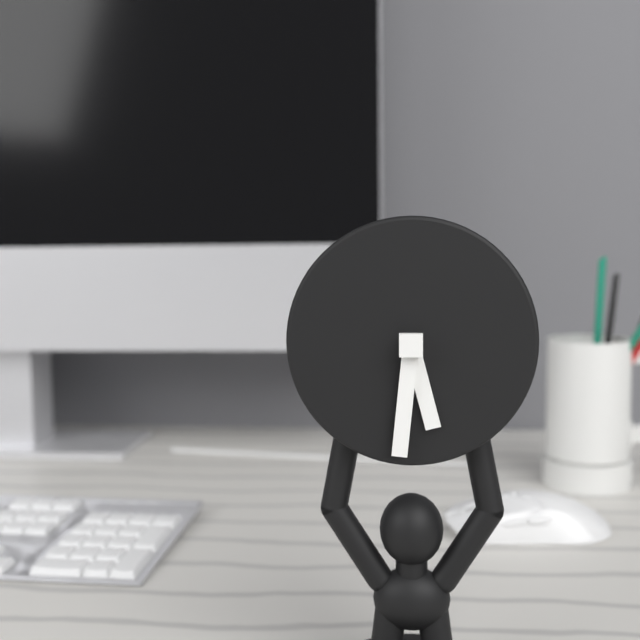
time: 5:31
